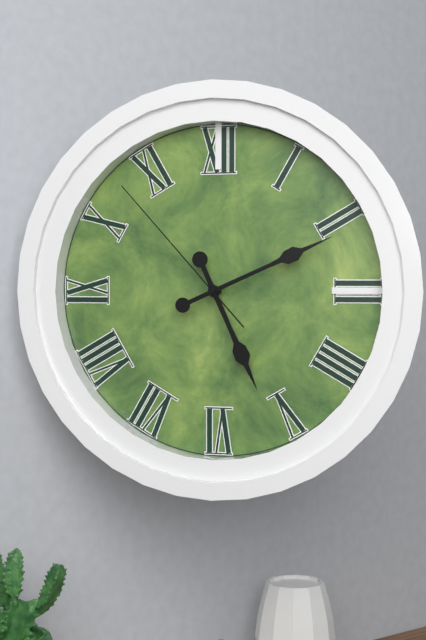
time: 5:11:53
